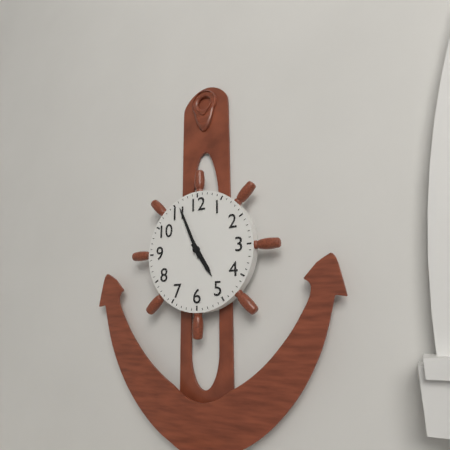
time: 4:56
